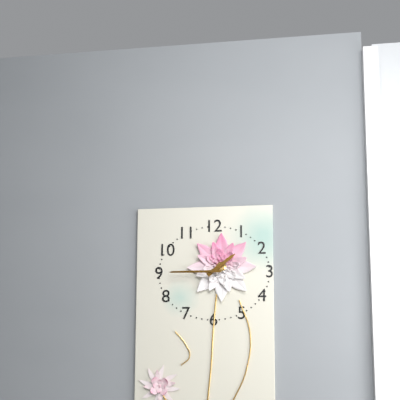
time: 1:45
